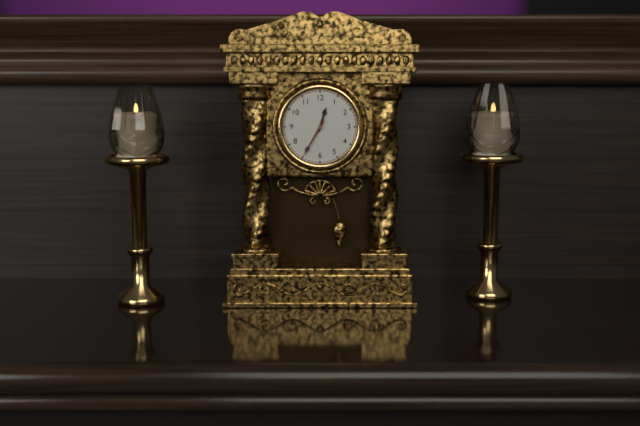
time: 12:35
